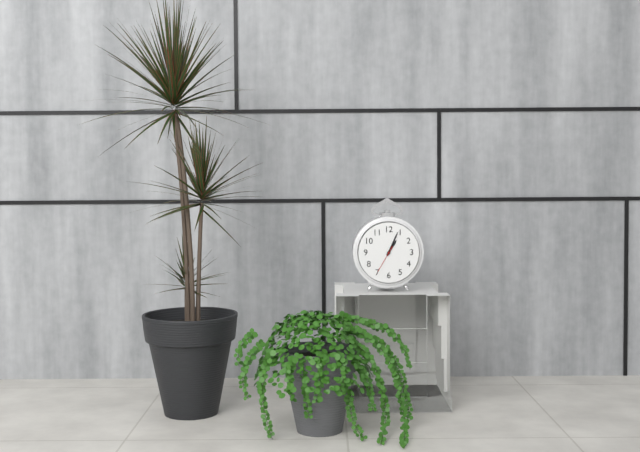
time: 1:04
